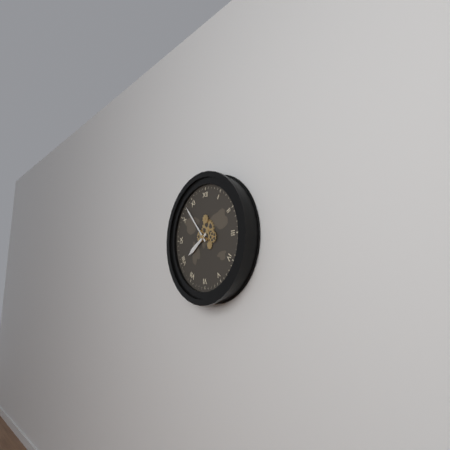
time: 7:53
